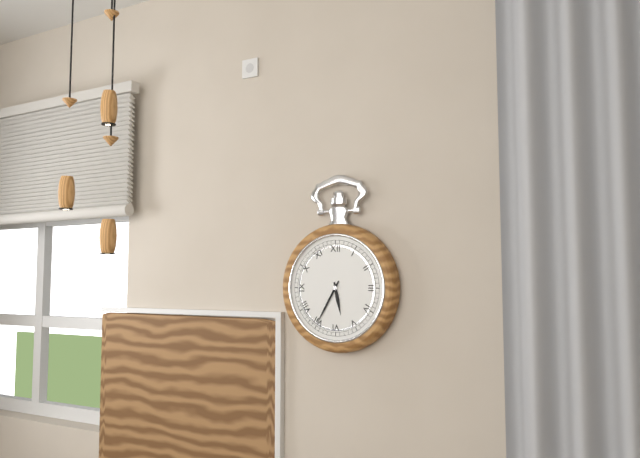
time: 5:35
